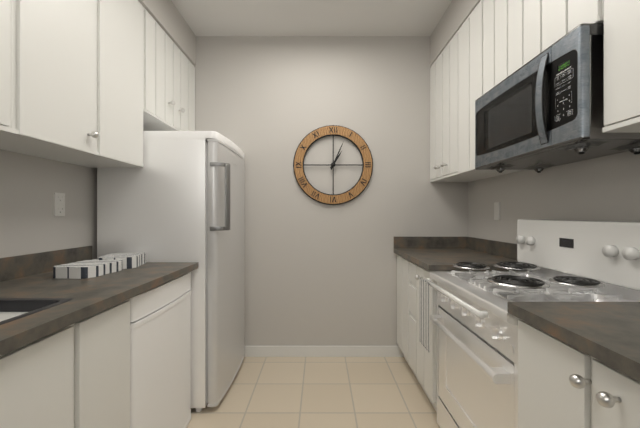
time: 1:04
